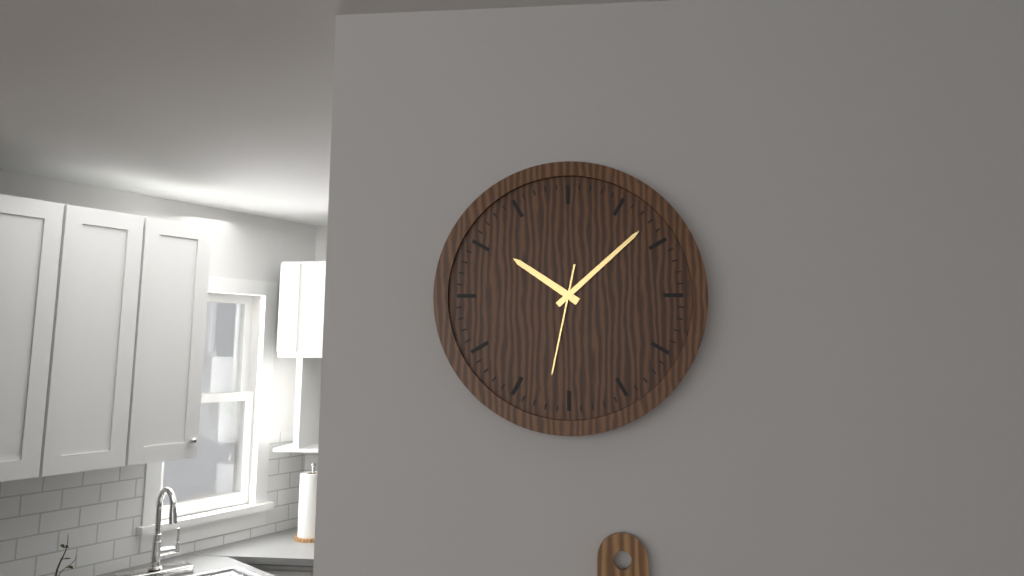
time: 10:08:32
